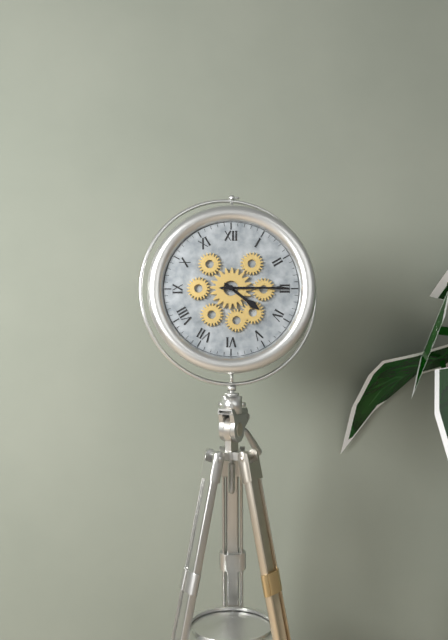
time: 4:15
